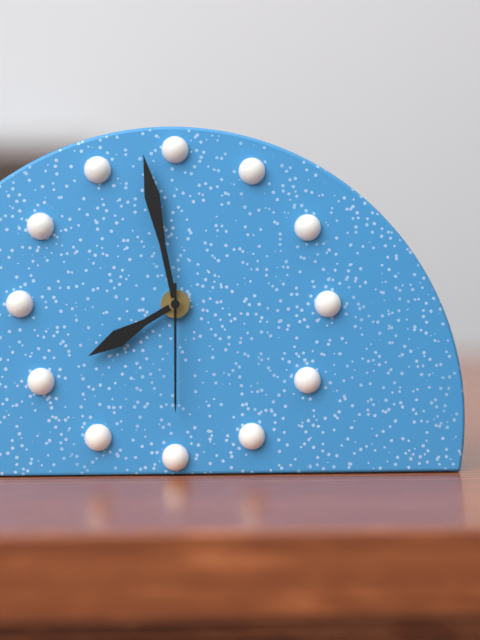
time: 7:58:30
